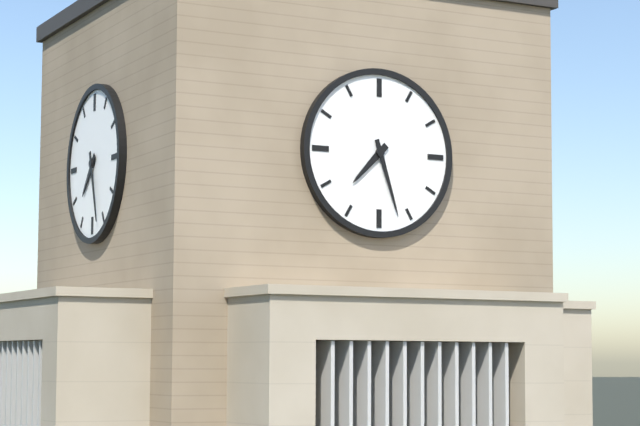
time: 7:27
